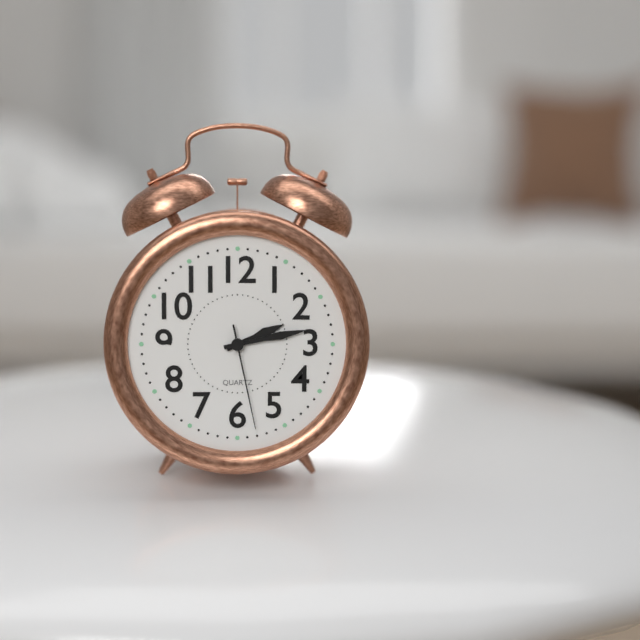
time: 2:13:28
